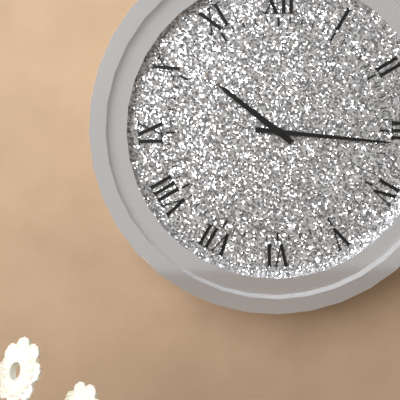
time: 10:16
